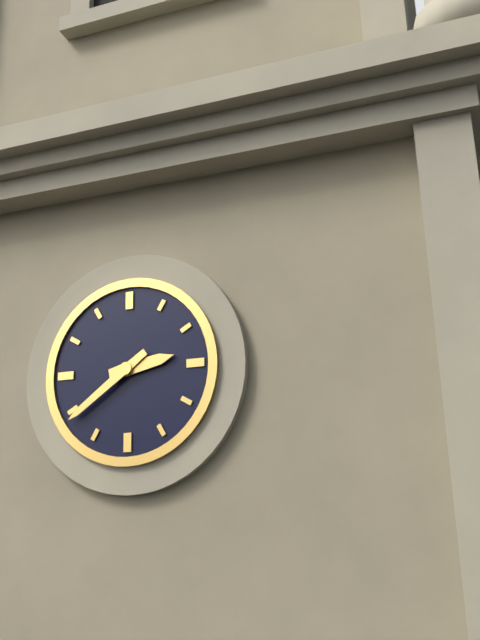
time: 2:39
